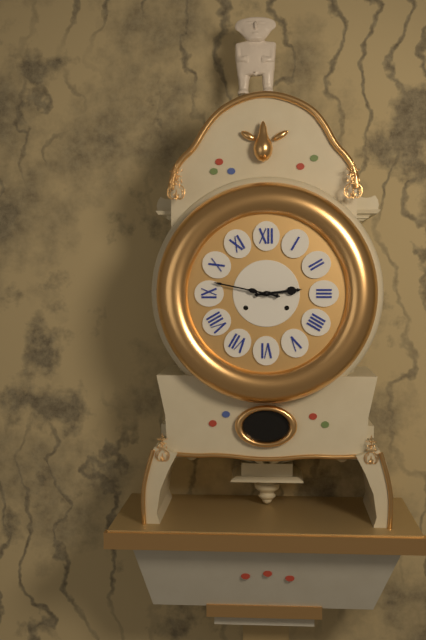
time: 2:47
